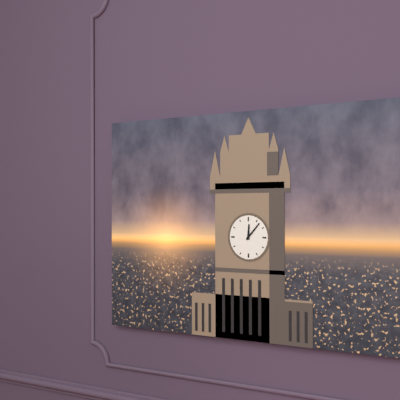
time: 12:07
